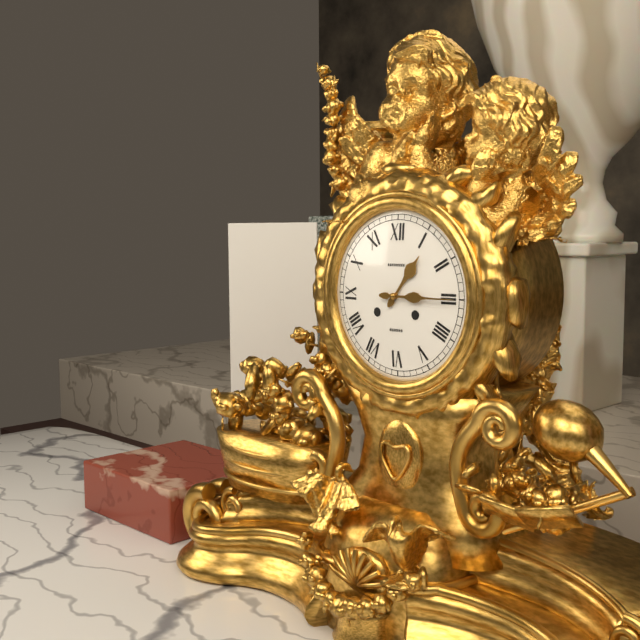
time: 1:15
